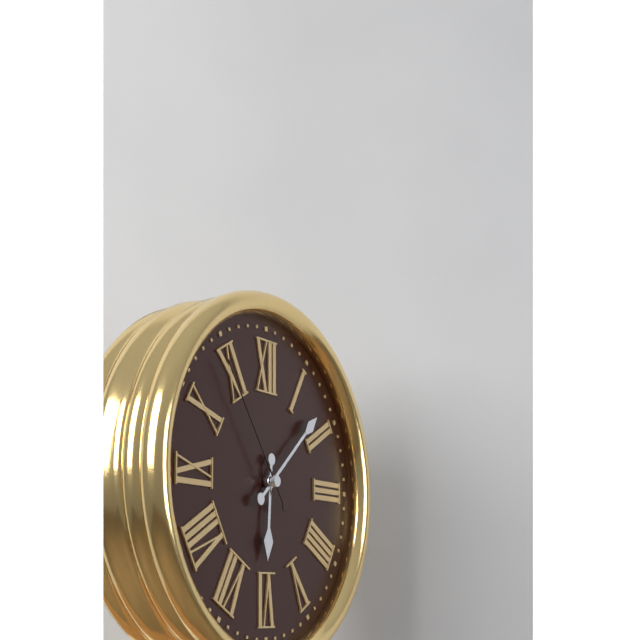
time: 6:08:54
